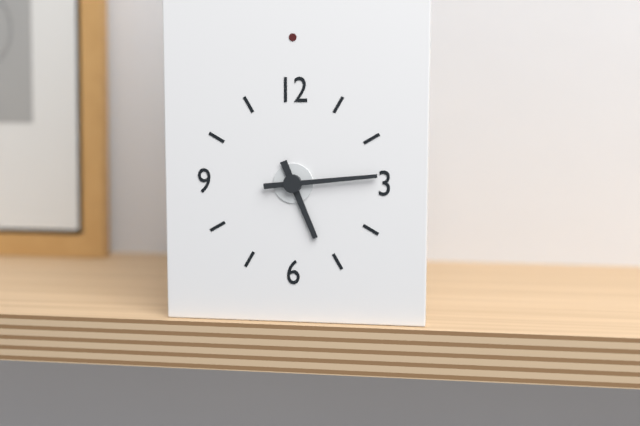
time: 5:14
